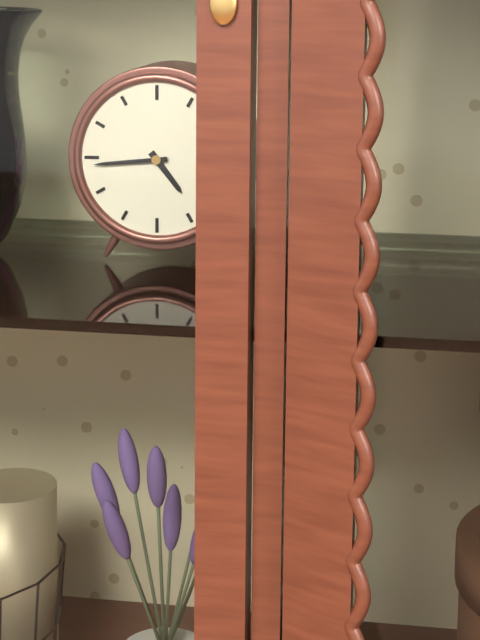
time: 4:44
